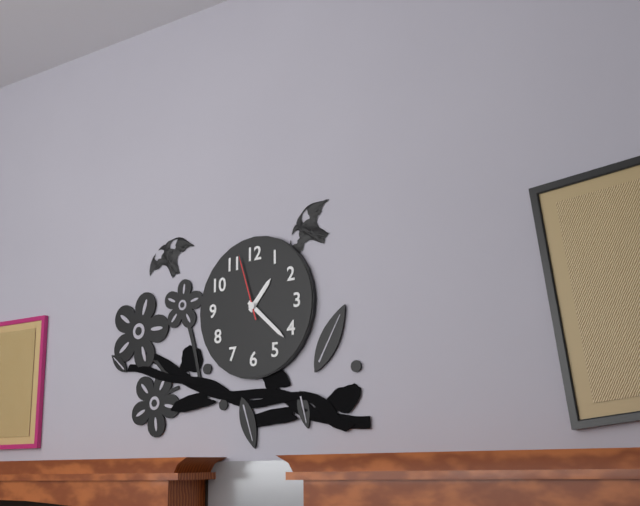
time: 1:22:57
